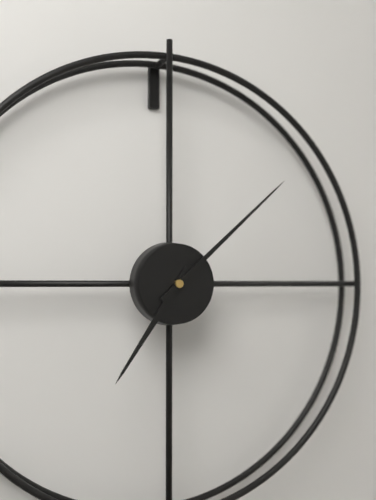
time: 7:08
